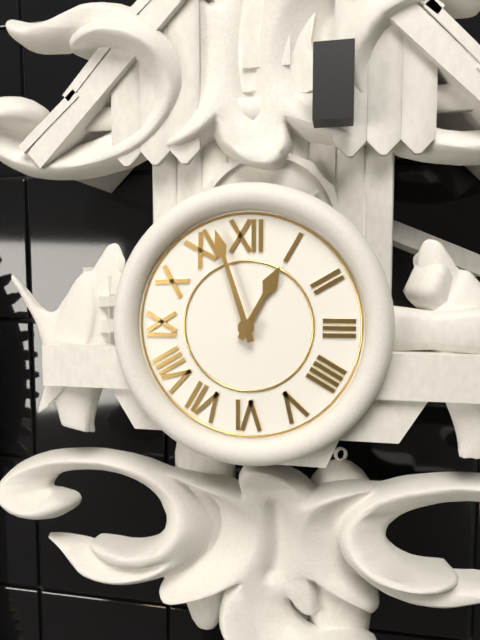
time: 12:57
